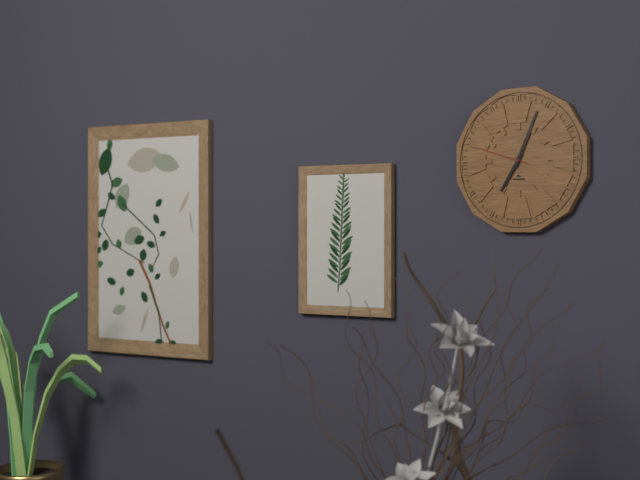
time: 7:04
